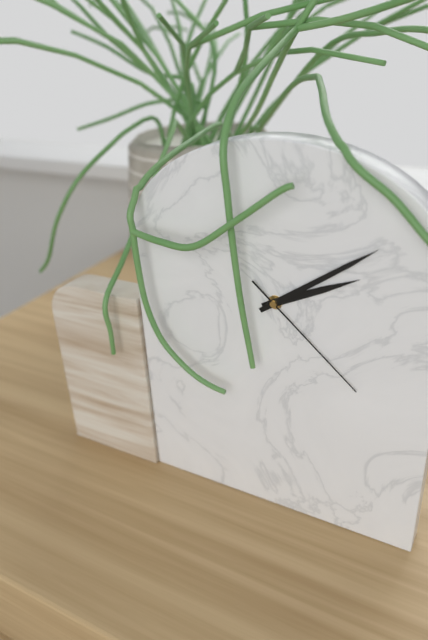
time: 2:09:22
